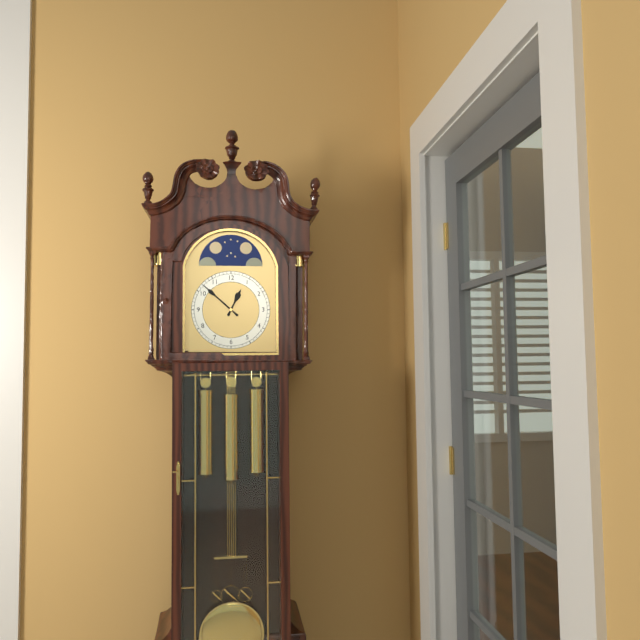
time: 12:52
